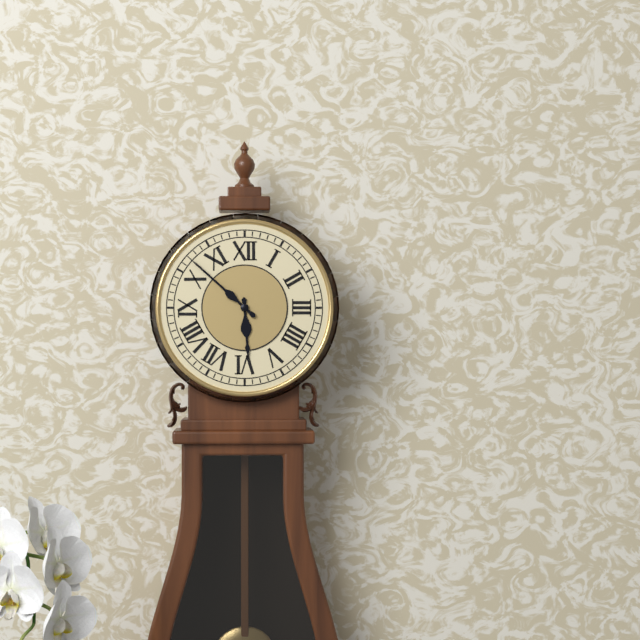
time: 5:52
